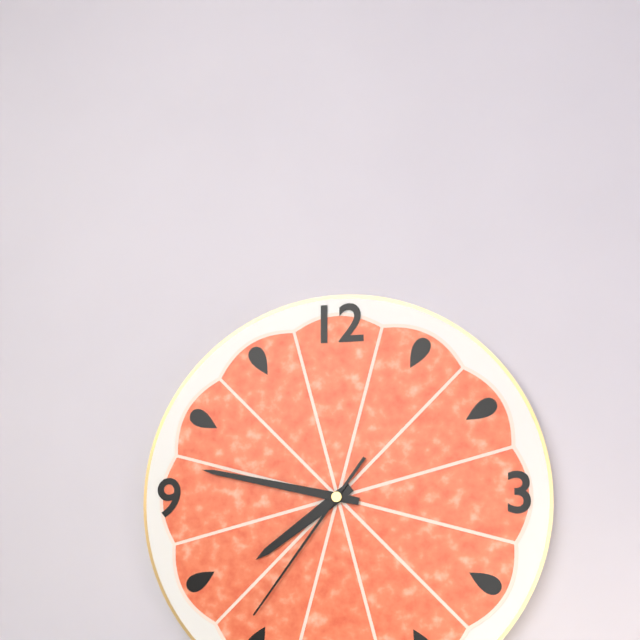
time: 7:47:36
